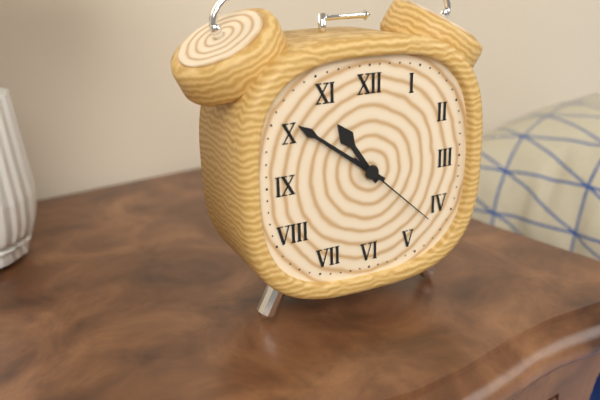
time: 10:51:22
